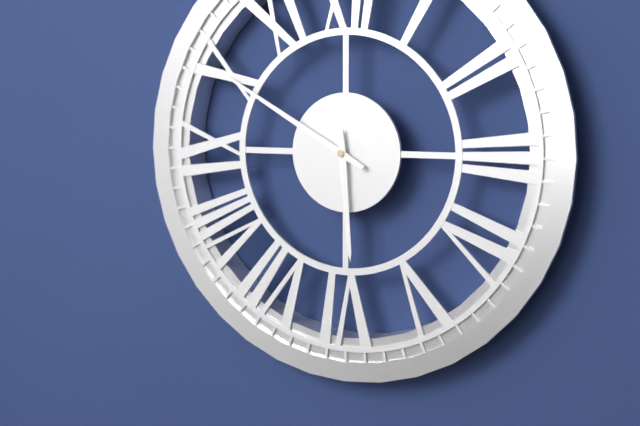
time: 5:50
